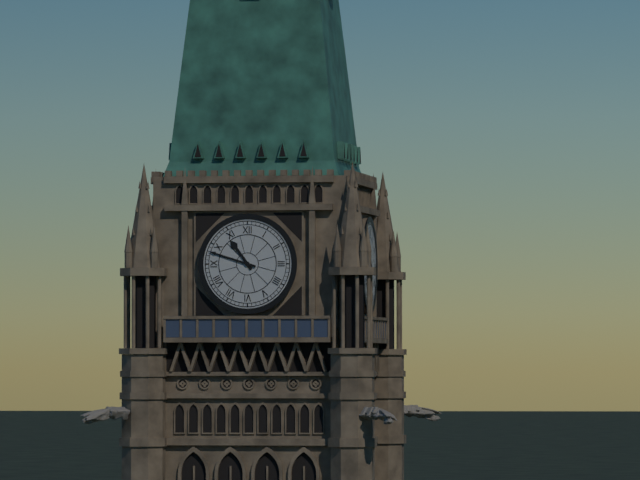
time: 10:48
